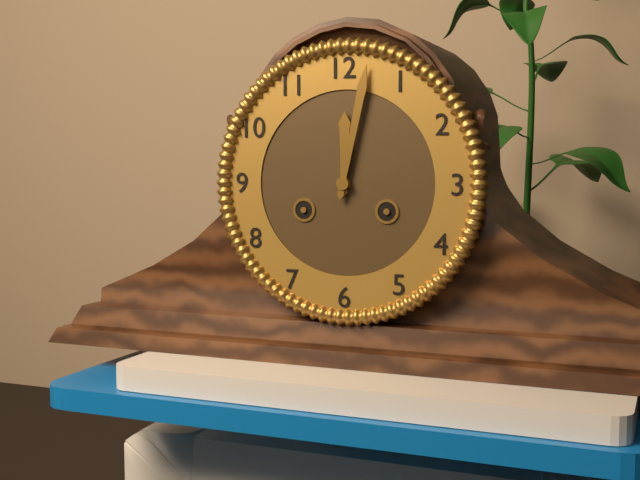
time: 12:02
